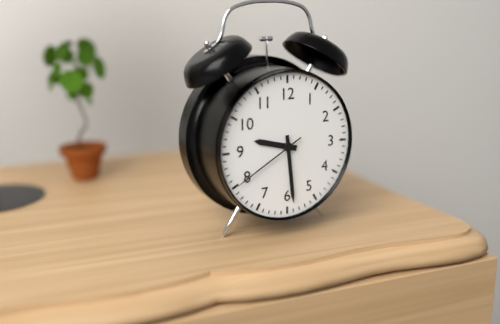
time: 9:29:40
